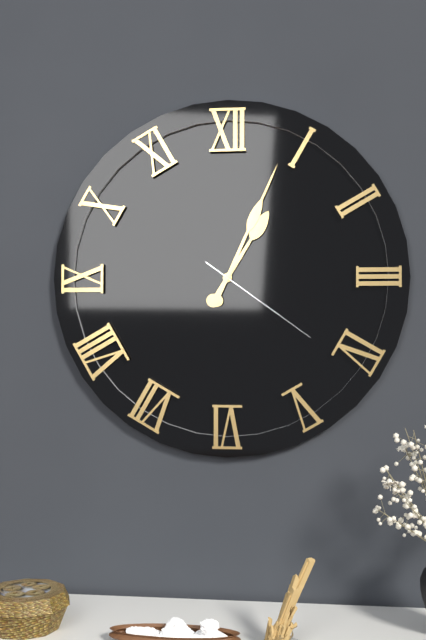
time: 1:04:21
